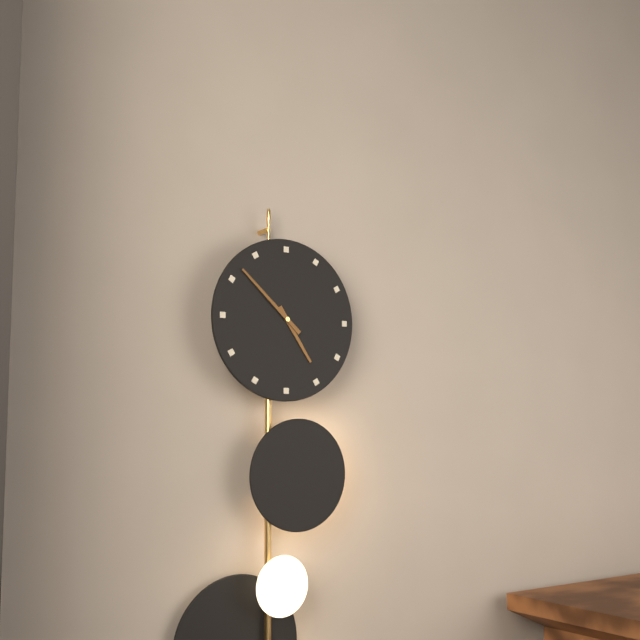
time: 4:52
